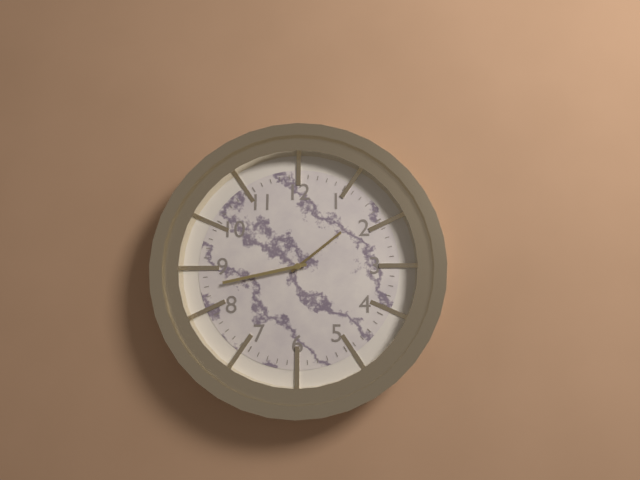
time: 1:43
